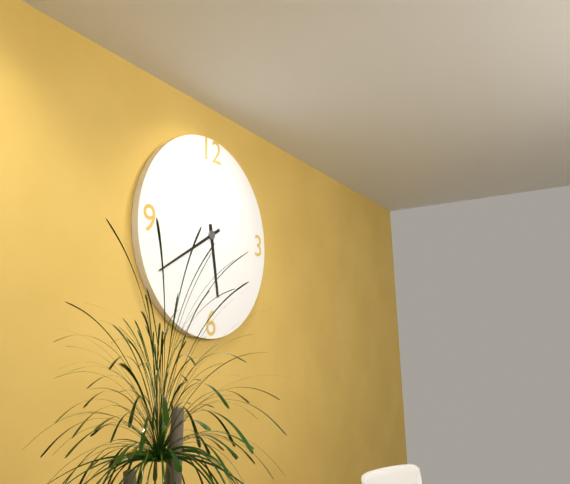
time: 5:40
